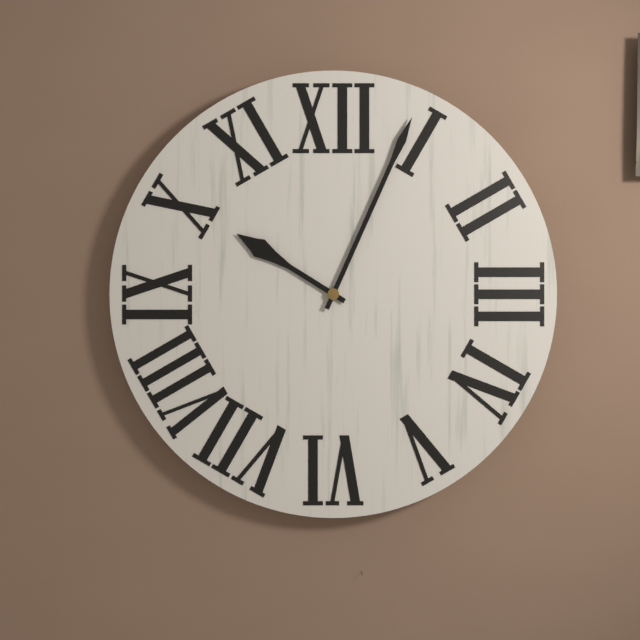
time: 10:04
